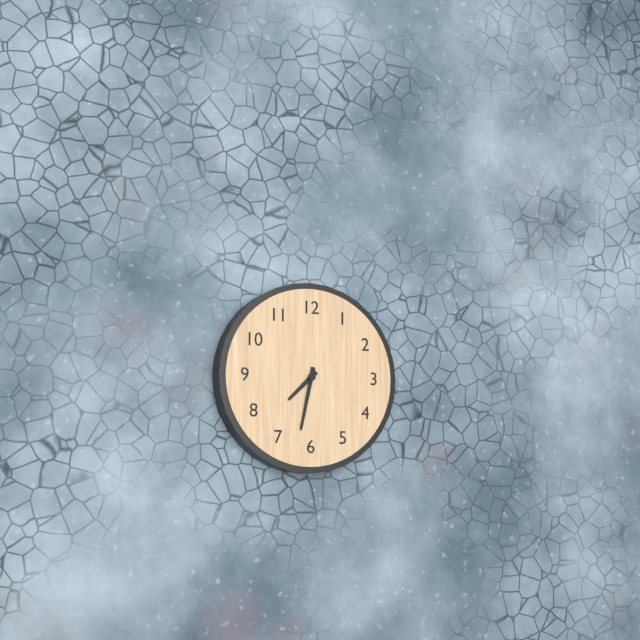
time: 7:32
